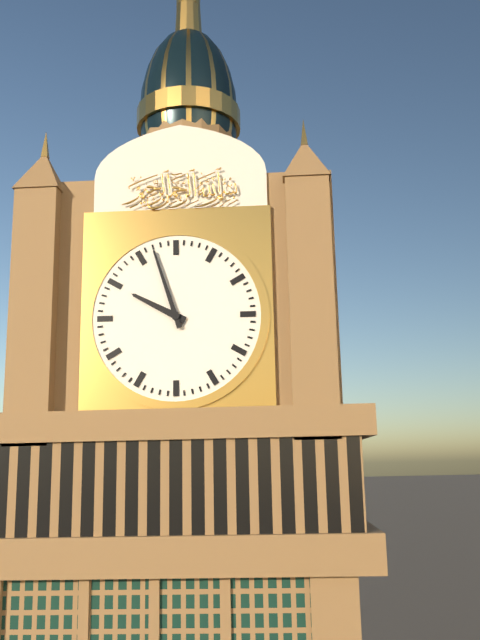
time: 9:57
